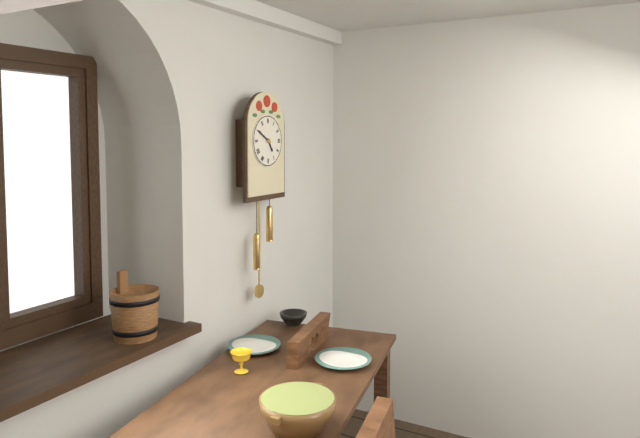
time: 4:50
